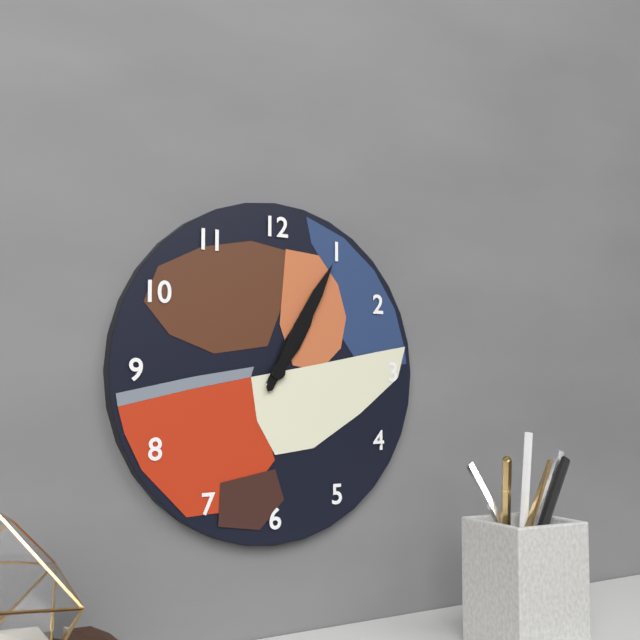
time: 1:05
